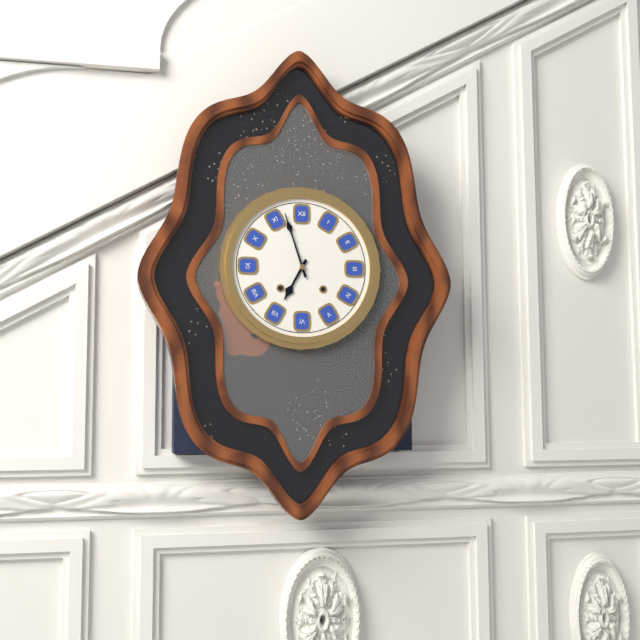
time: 6:57
